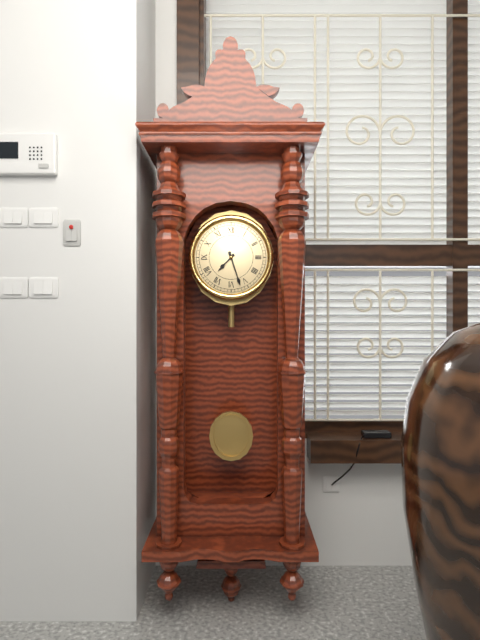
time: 7:27
